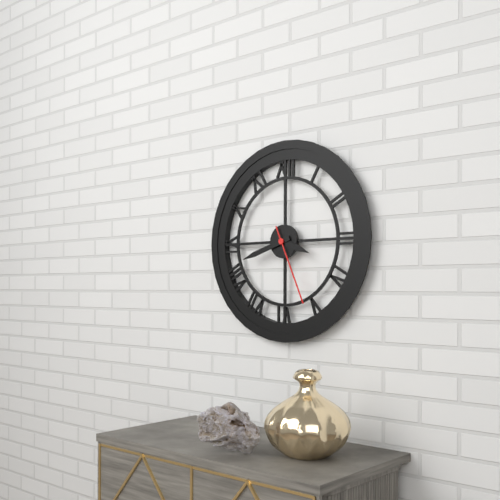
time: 3:42:26
